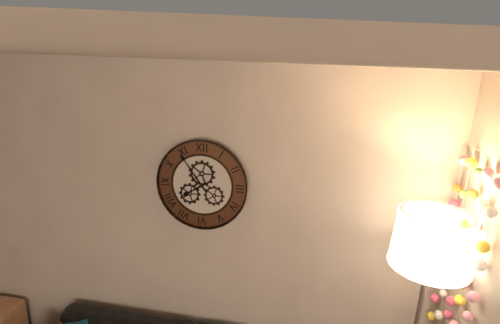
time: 7:54
